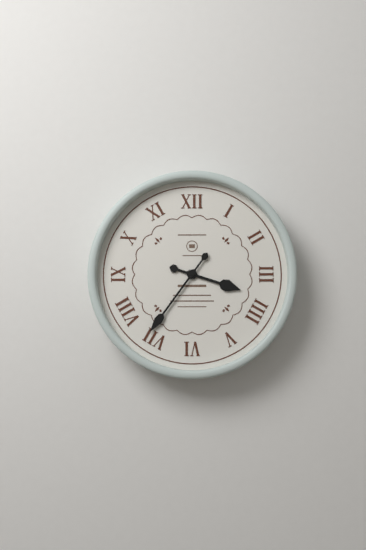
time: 3:36
